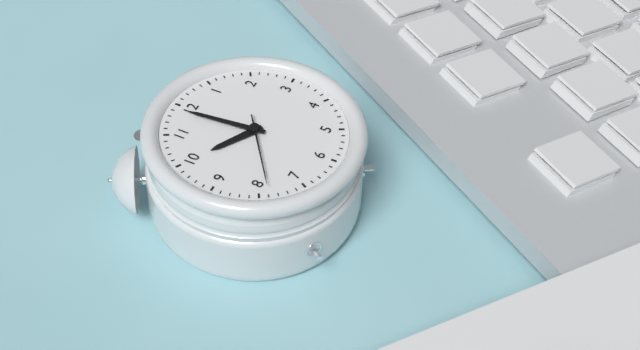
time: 9:59:39
